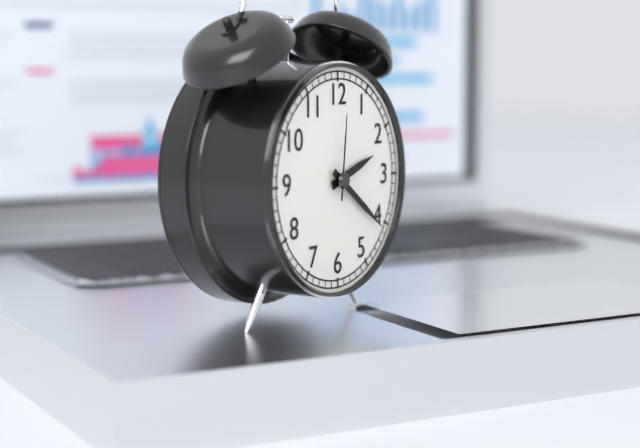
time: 2:21:01
